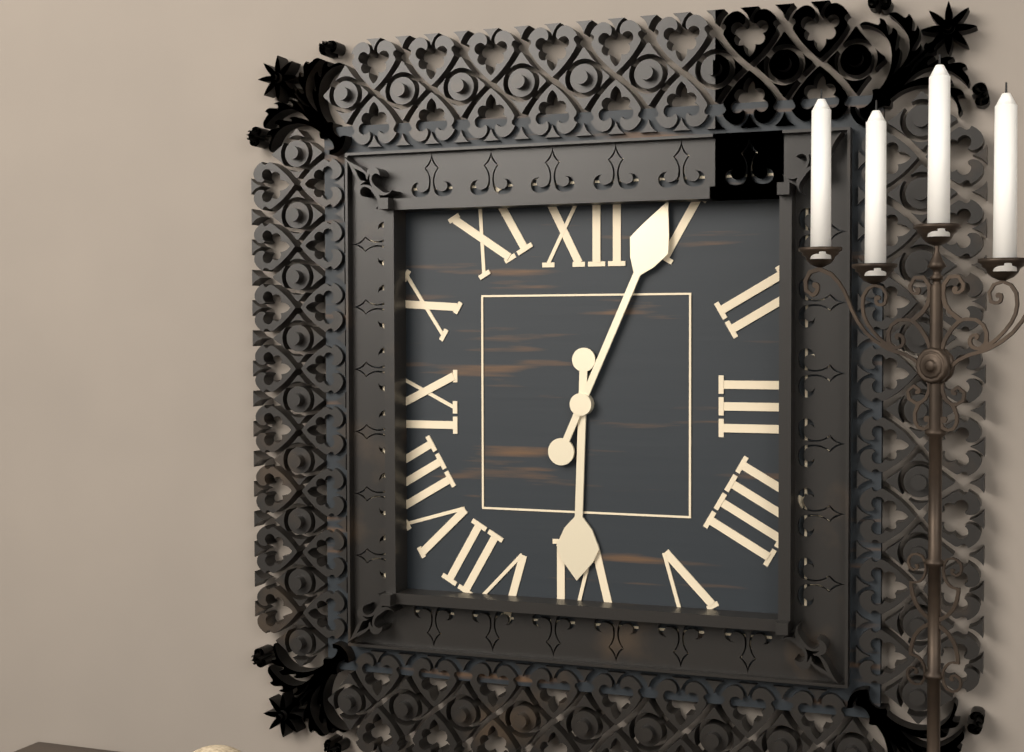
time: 6:04
